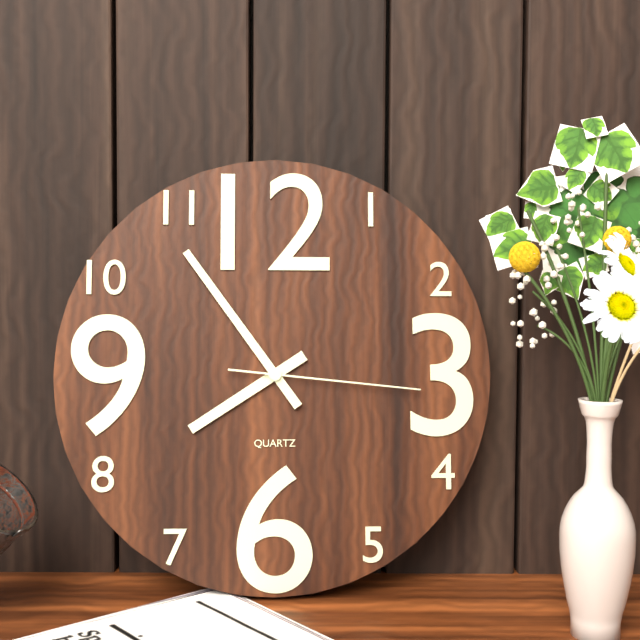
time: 7:54:16
